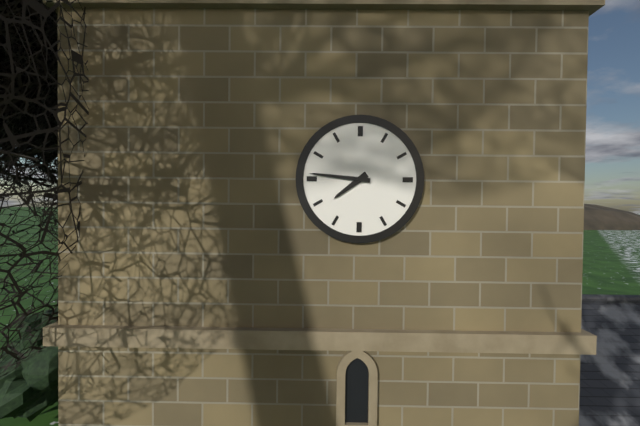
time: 7:46
